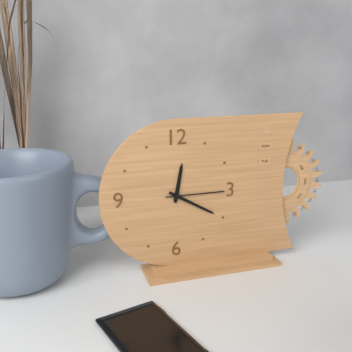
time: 12:20:15
